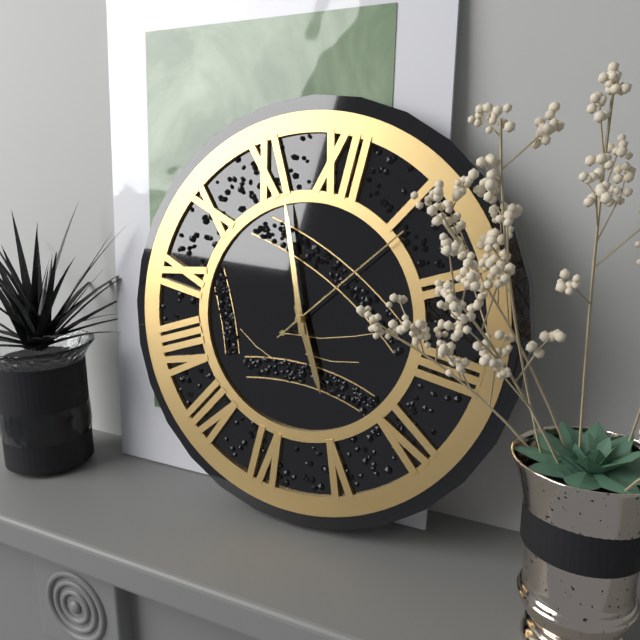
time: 4:56:06
